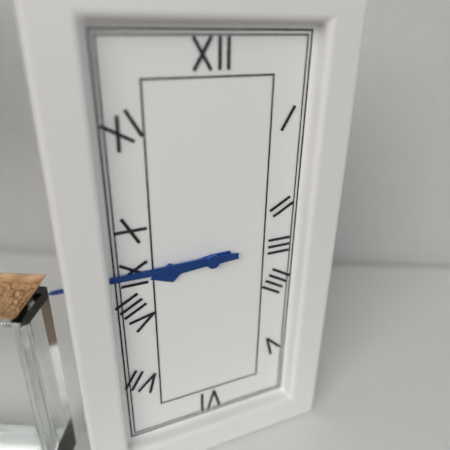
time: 8:45
